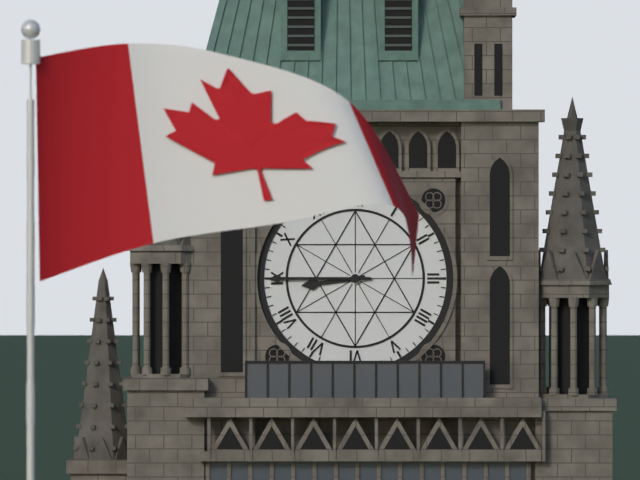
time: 8:45
